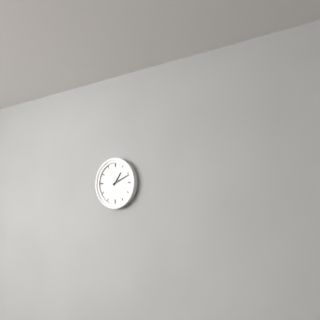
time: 1:11
